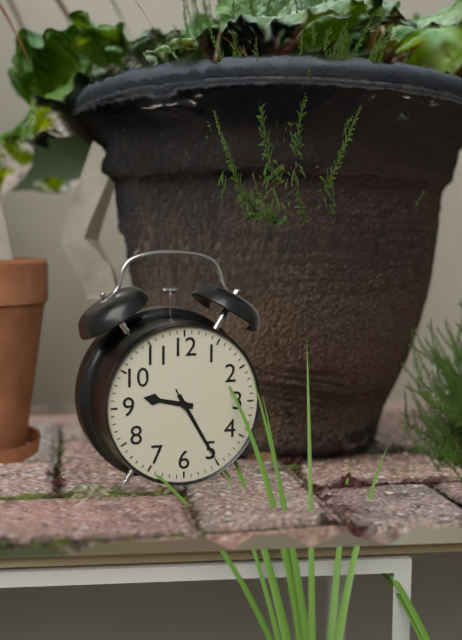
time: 9:25:25
